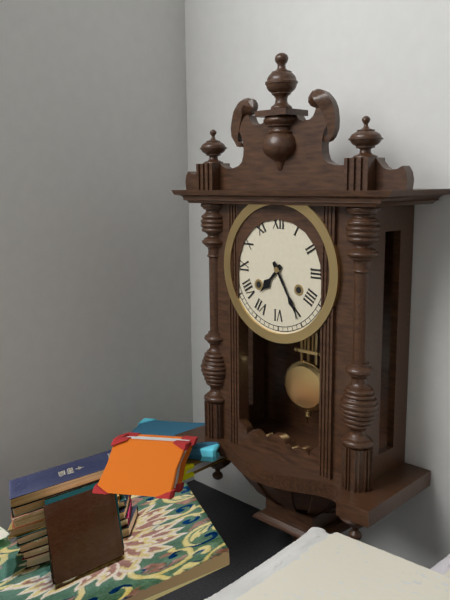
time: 7:25
